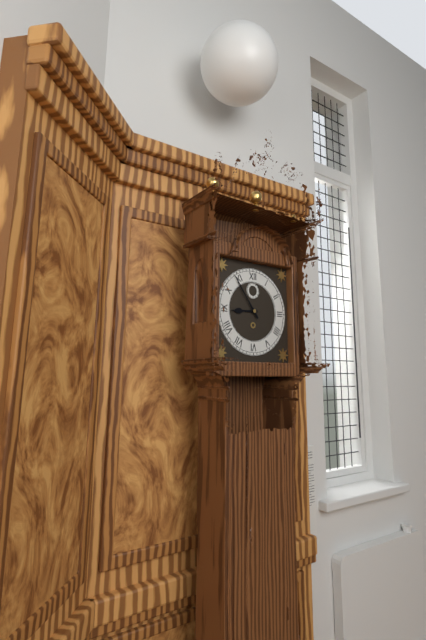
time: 8:54
